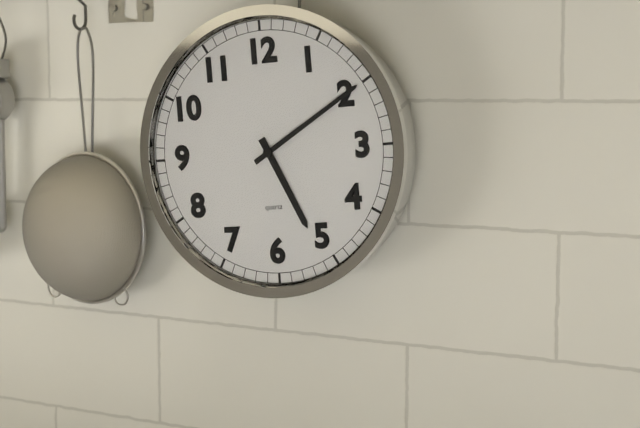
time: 5:10
